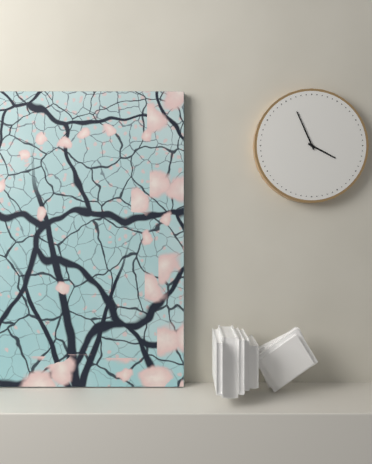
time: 3:56
